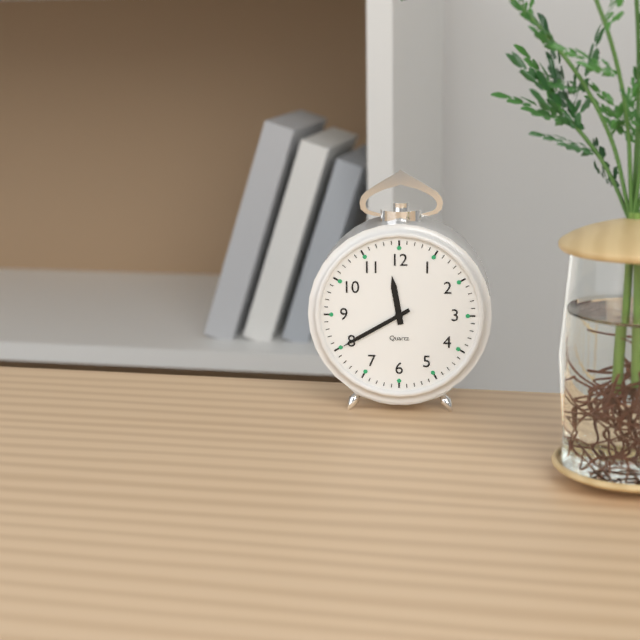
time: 11:40
